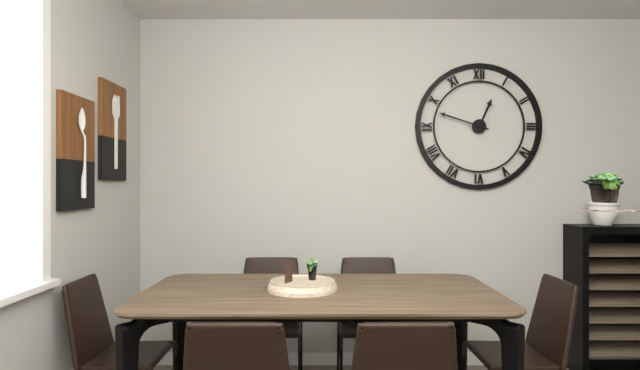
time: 12:48
